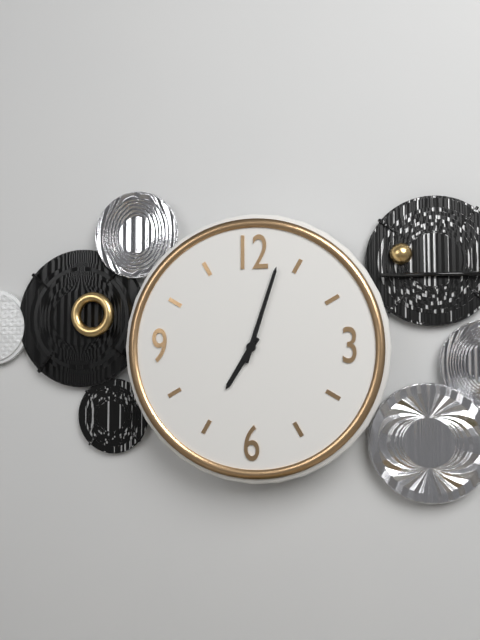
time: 7:03
